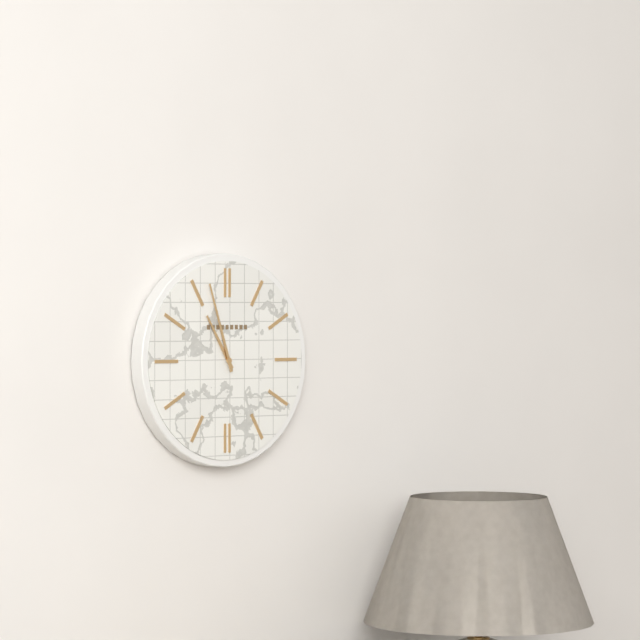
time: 10:57
